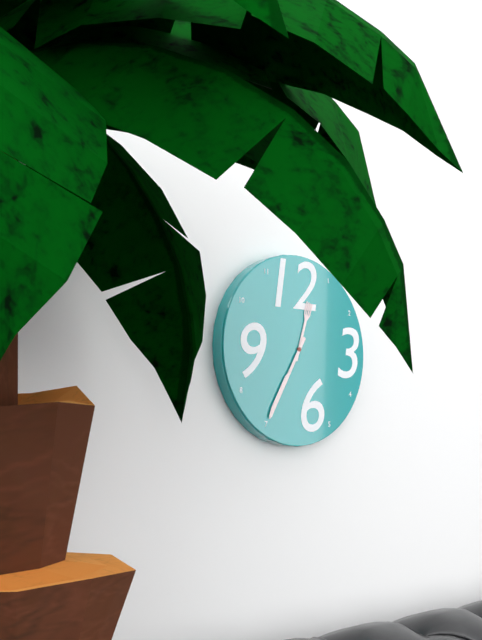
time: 12:35
